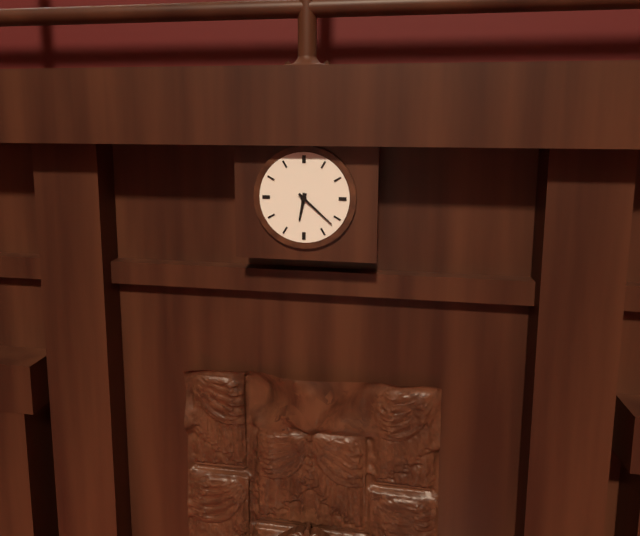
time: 6:22
